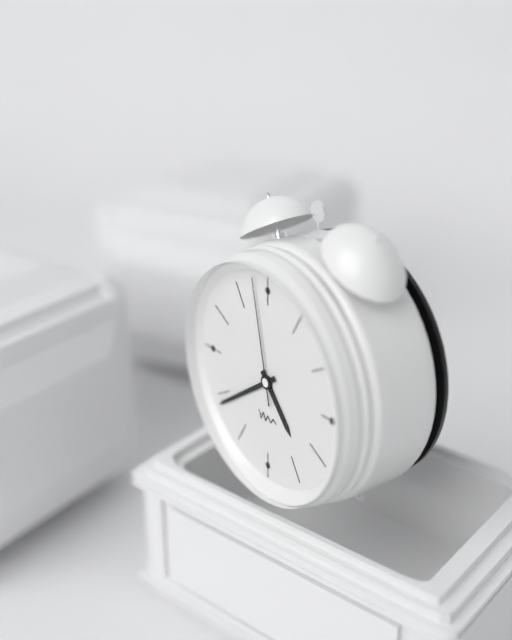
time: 4:39:58
